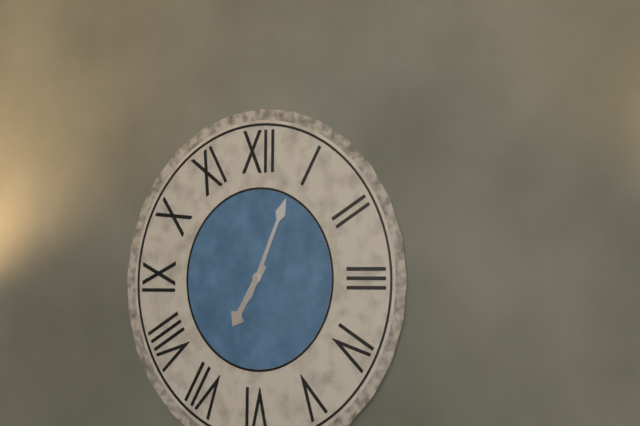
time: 7:04
